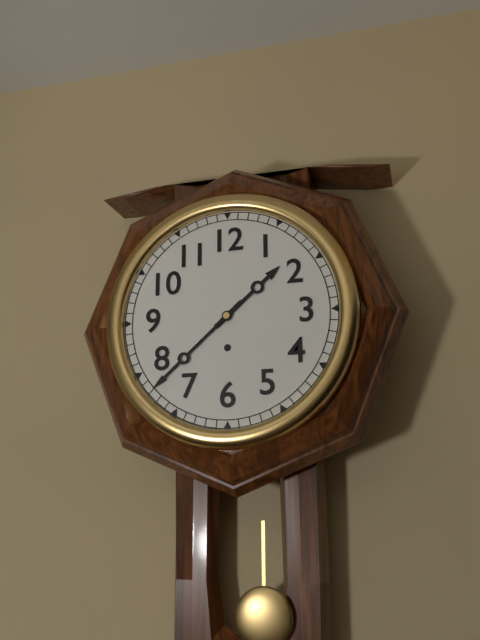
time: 1:38
